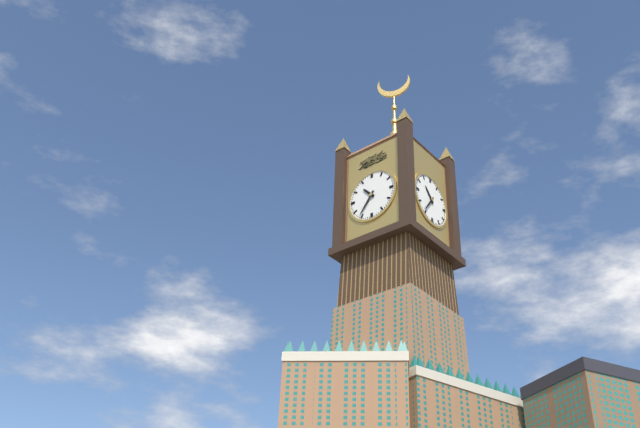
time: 10:36
